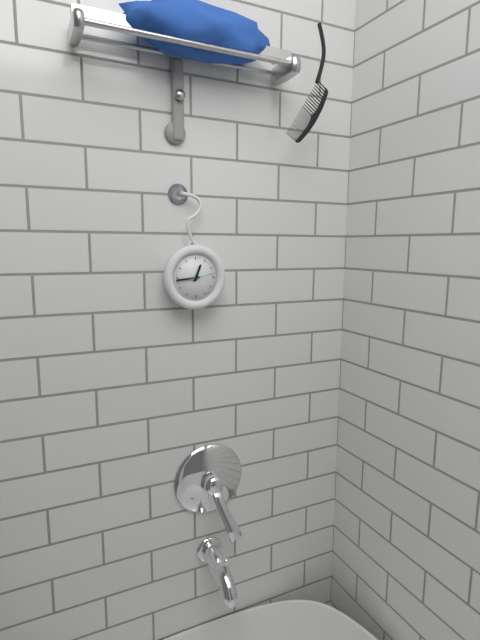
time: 12:44
